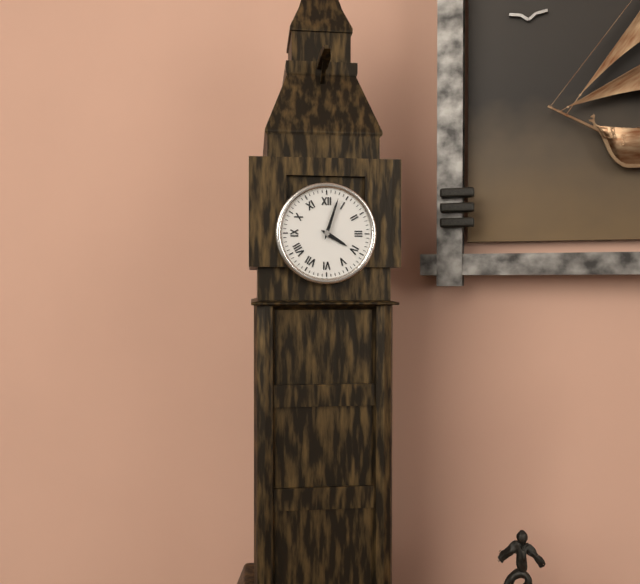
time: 4:03
